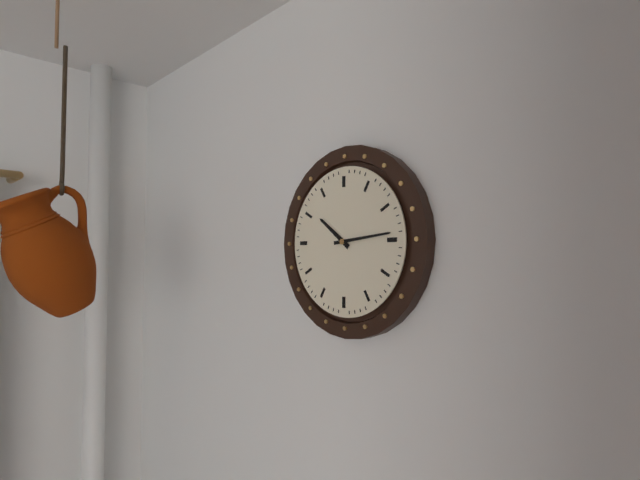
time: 10:14
